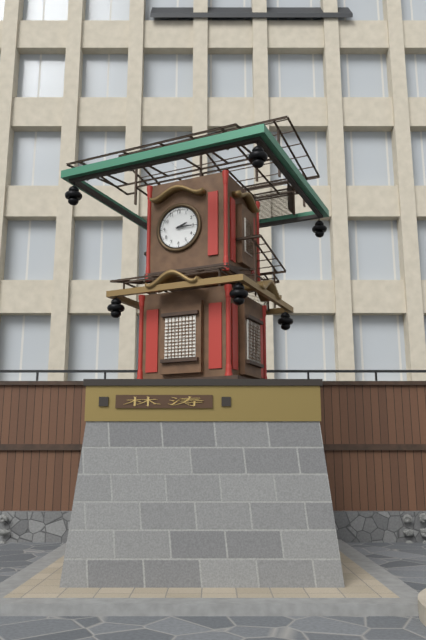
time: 2:15
